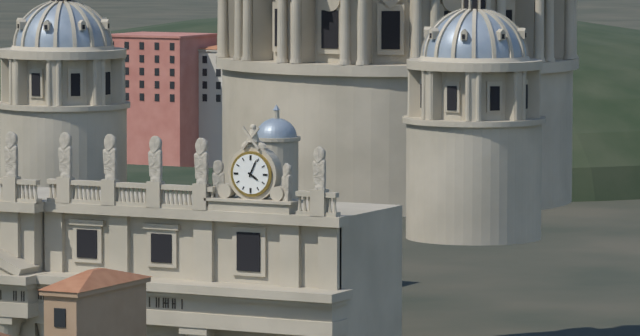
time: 4:04
